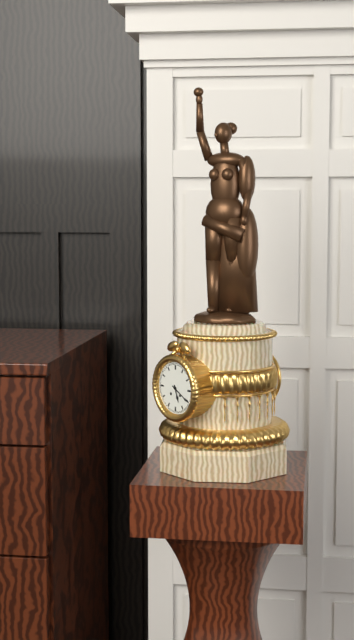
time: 5:20
